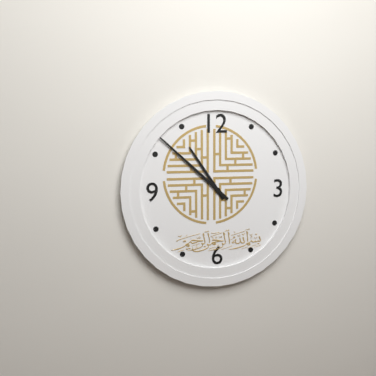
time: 10:52
